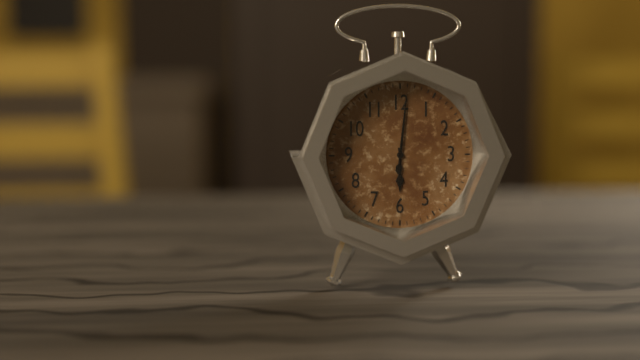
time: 6:01
